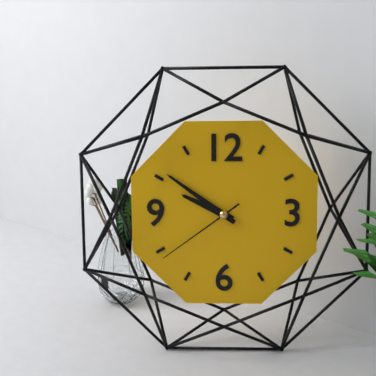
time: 9:51:39
